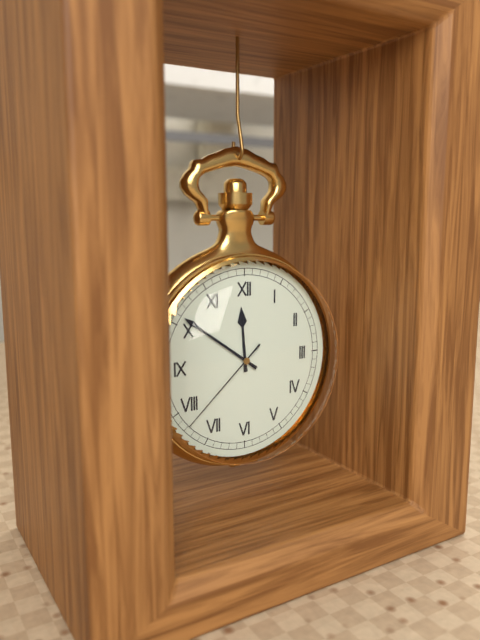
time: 11:51:38
